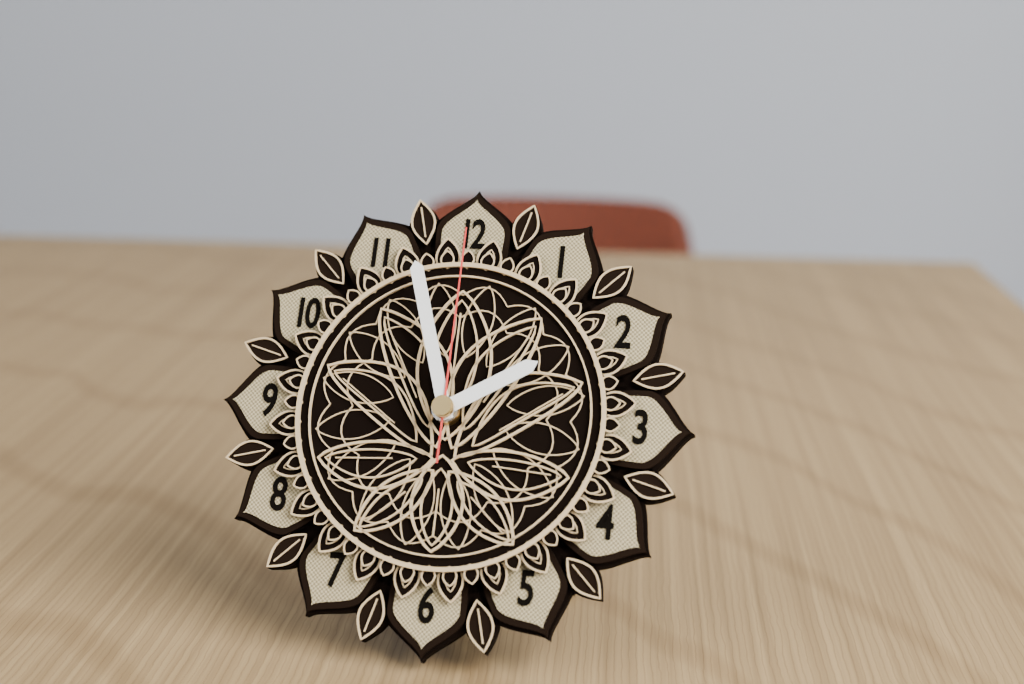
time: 1:57:00
